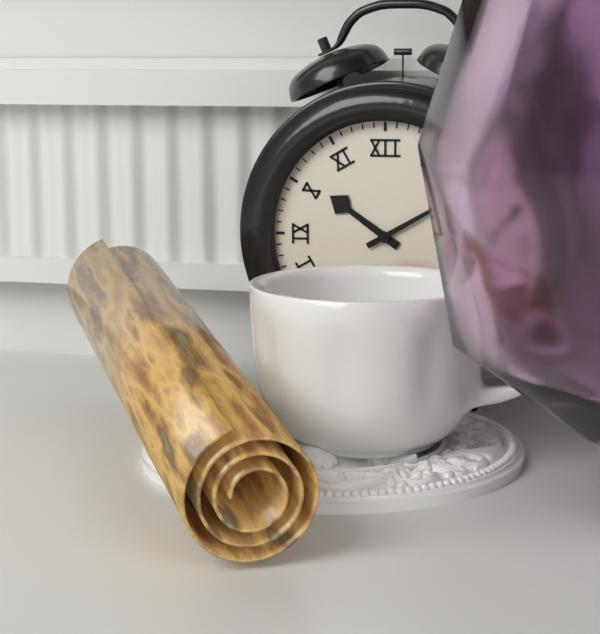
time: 10:10
